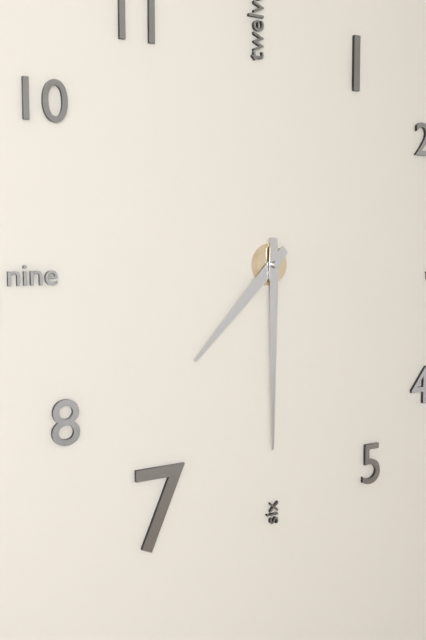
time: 7:30
